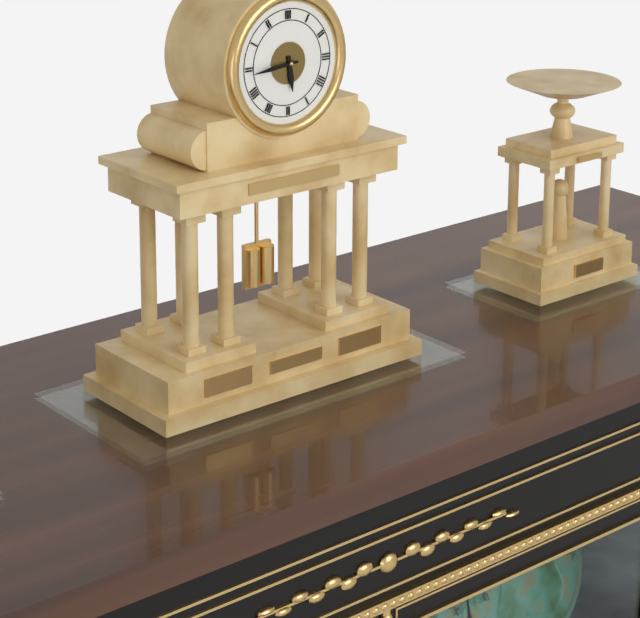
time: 5:44
